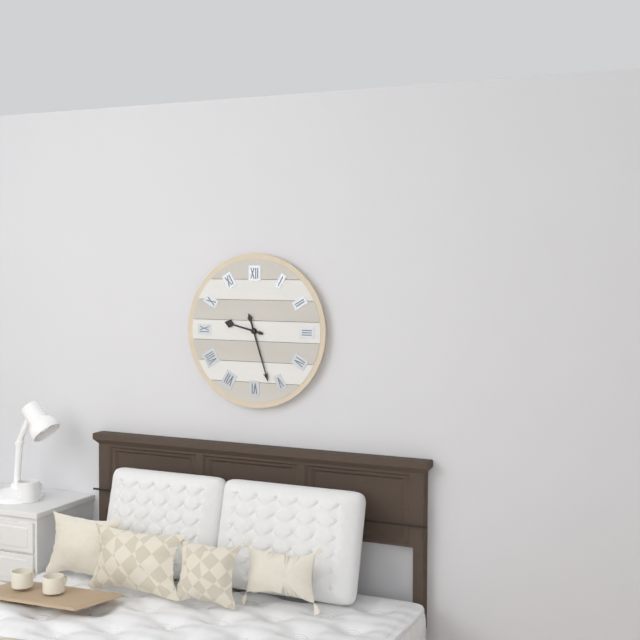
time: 9:27
